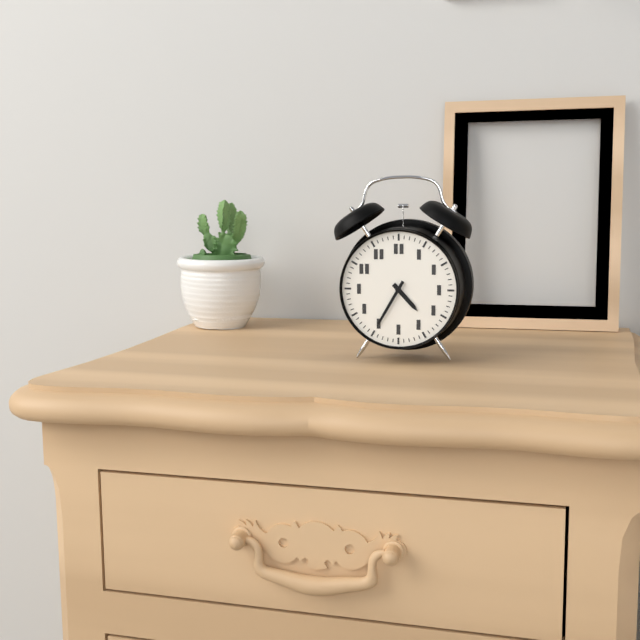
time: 4:35
